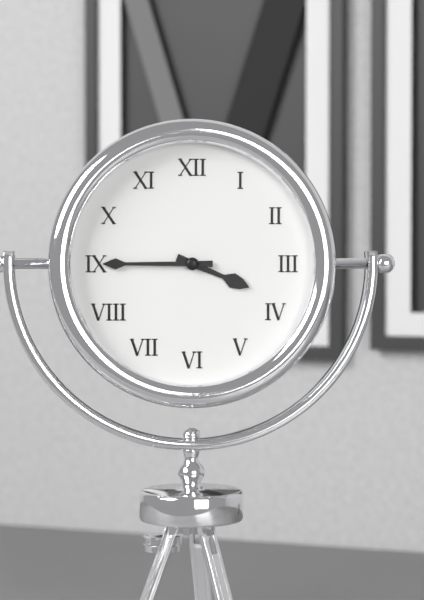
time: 3:45
